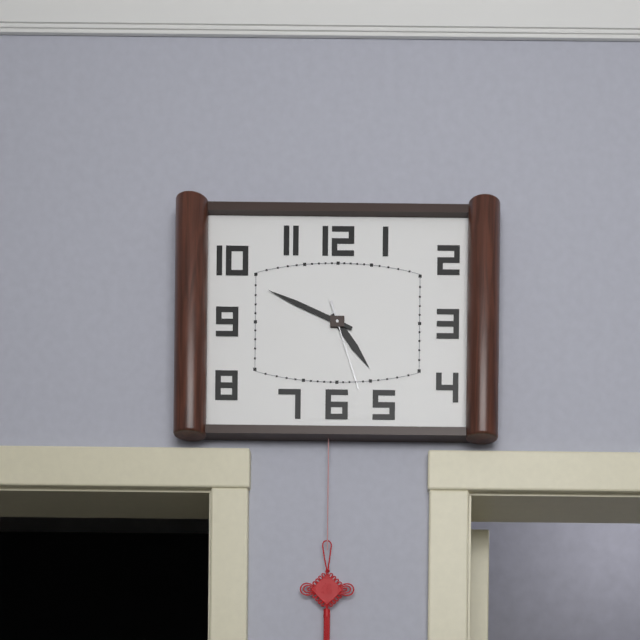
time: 4:49:27
